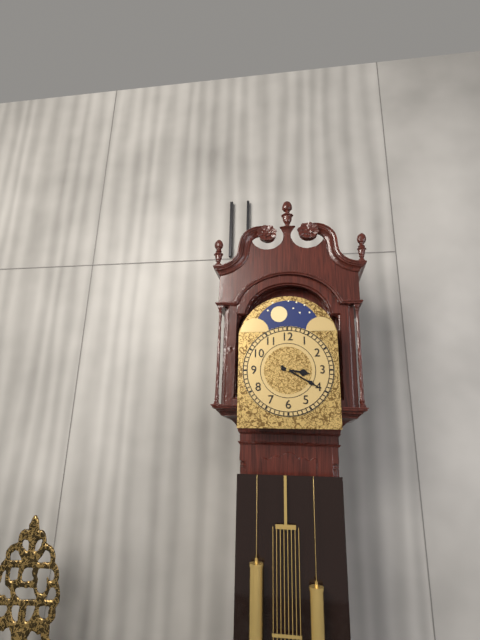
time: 3:20
